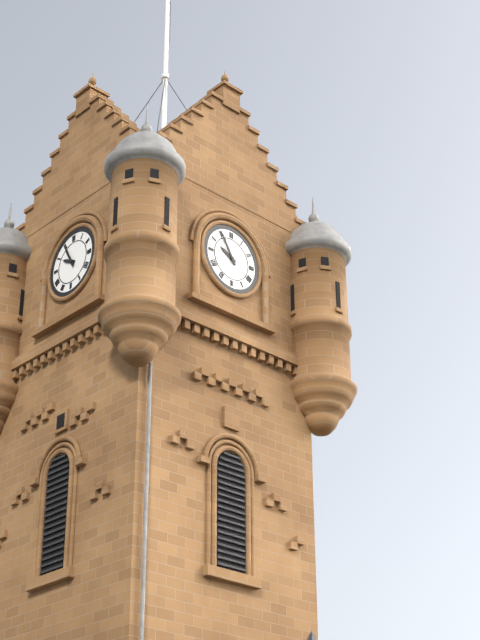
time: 9:55
